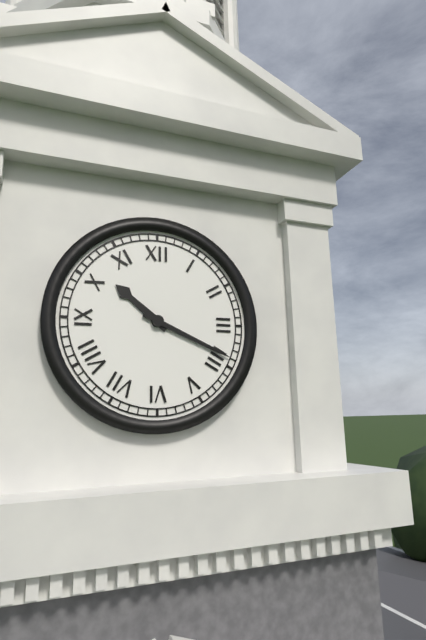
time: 10:19
